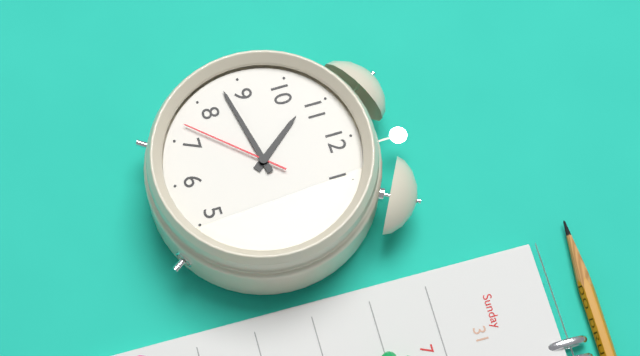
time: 10:43:37
